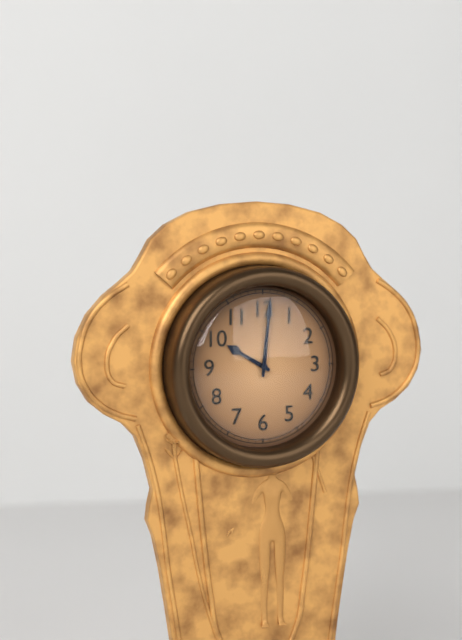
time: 10:01
